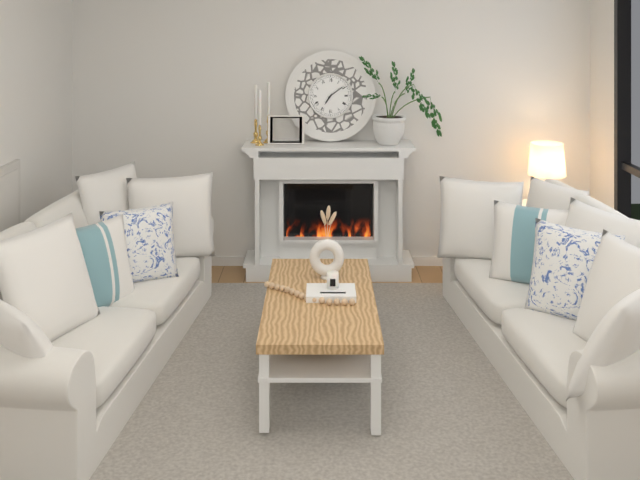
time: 7:09
